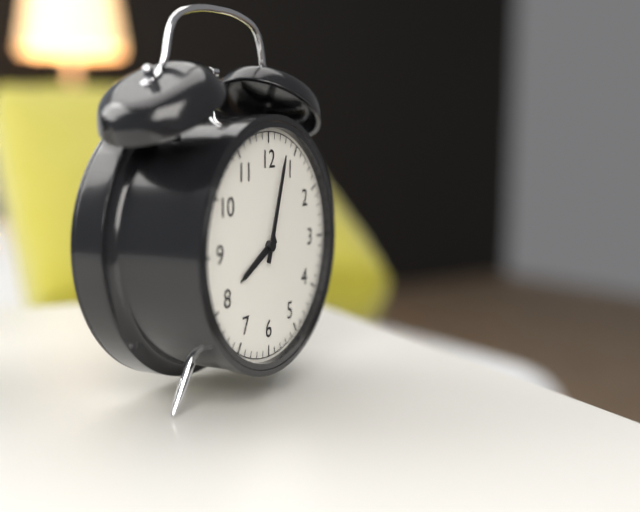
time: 8:03
